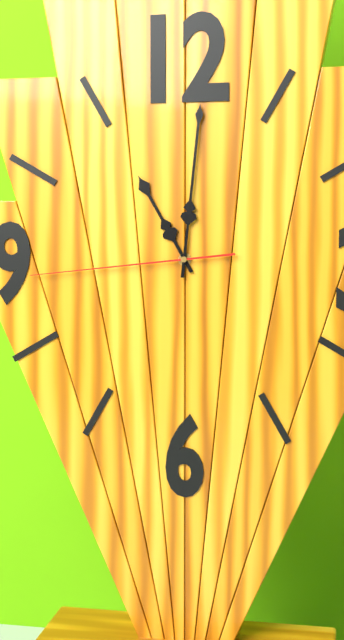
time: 11:01:44
